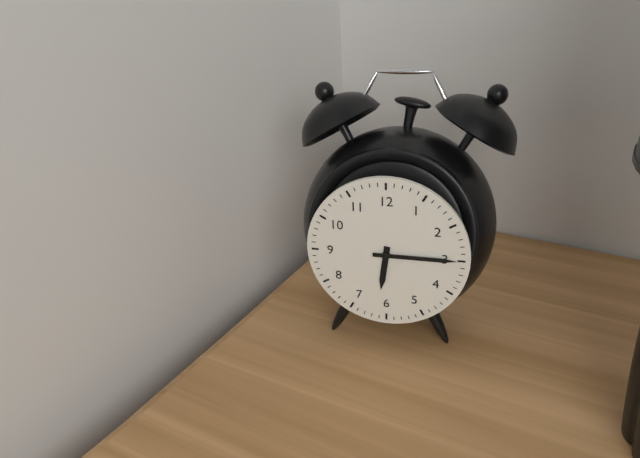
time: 6:15
